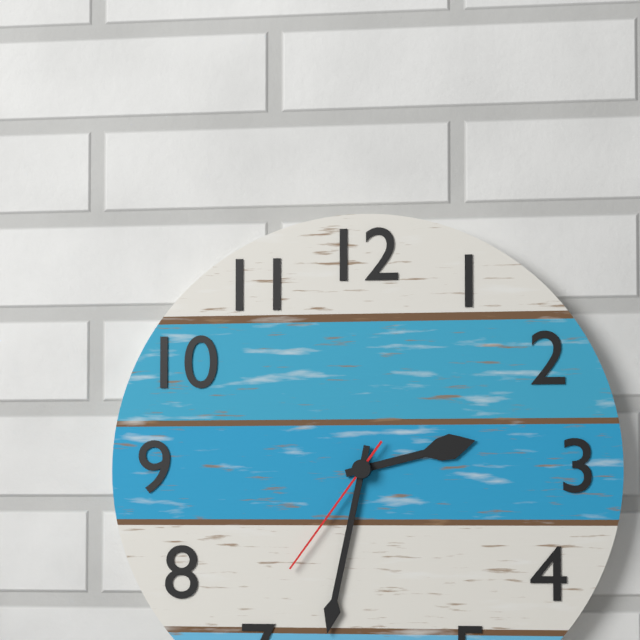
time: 2:32:36
